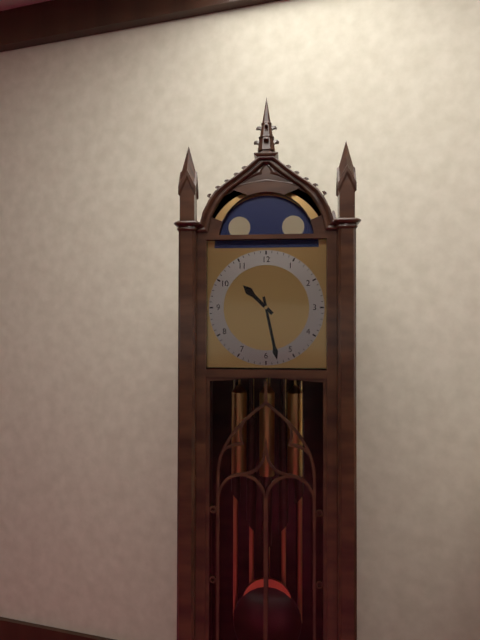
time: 10:28
